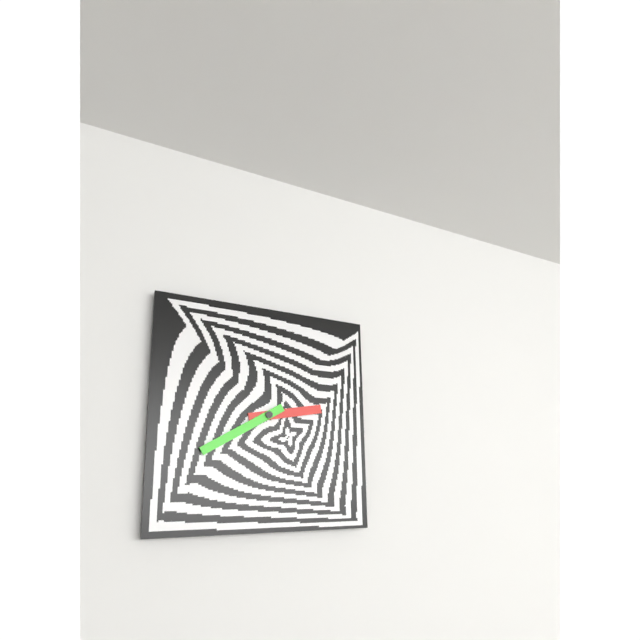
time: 2:40
